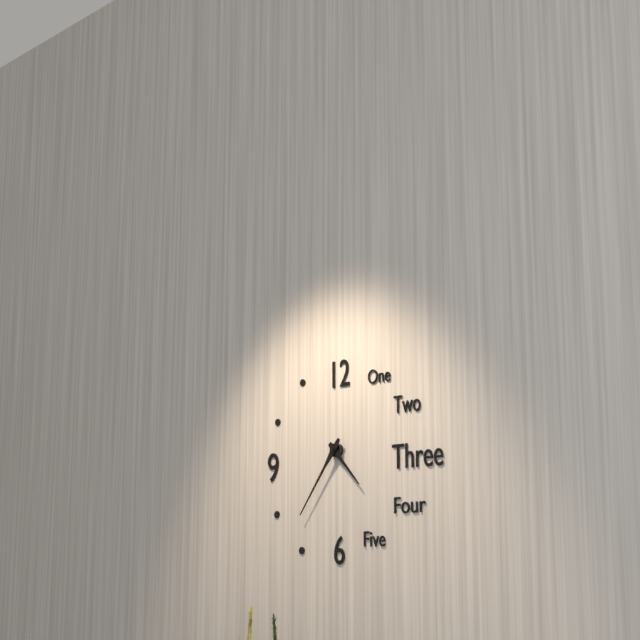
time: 4:36
